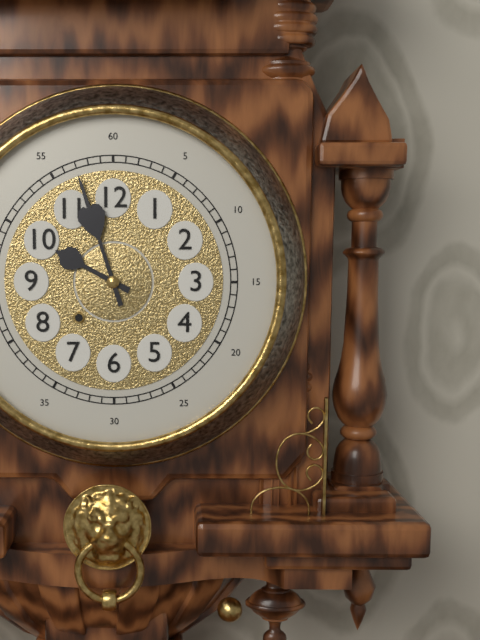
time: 9:57
